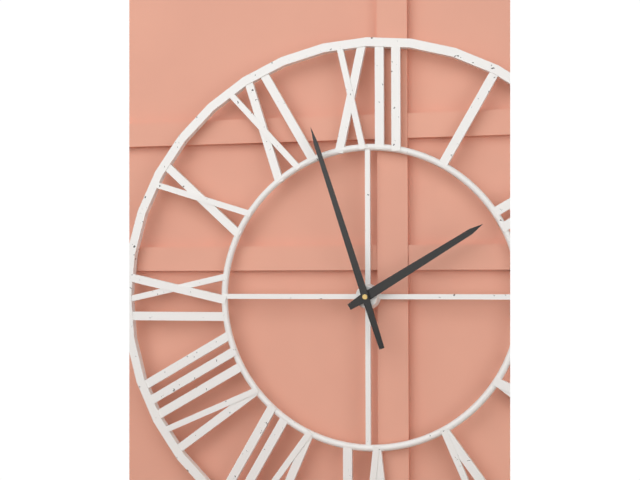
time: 1:57
